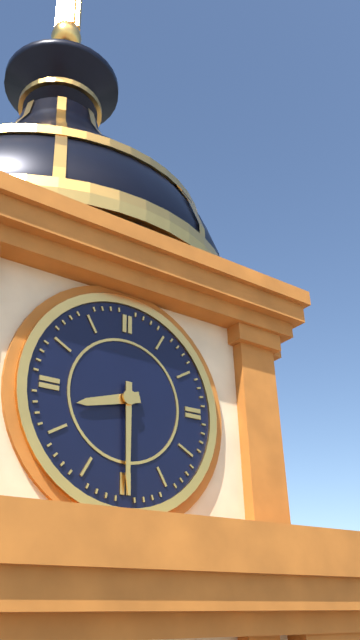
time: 8:30
